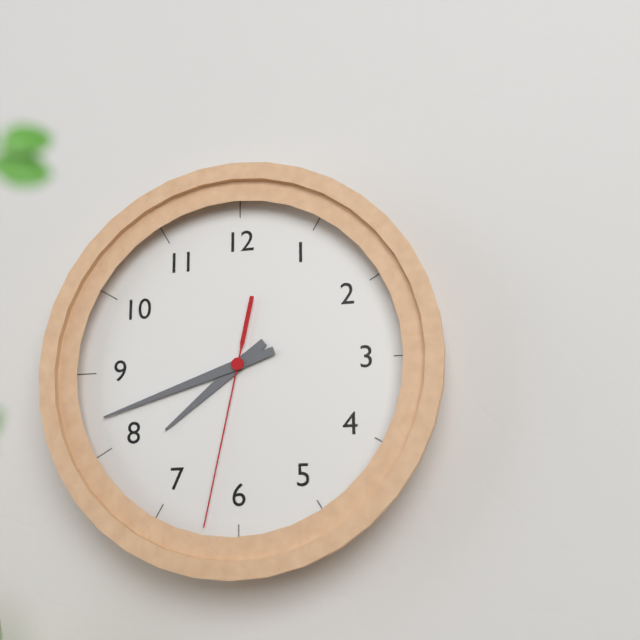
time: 7:42:32
